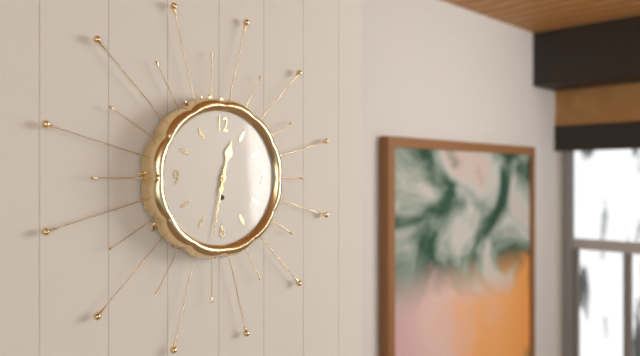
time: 12:32
